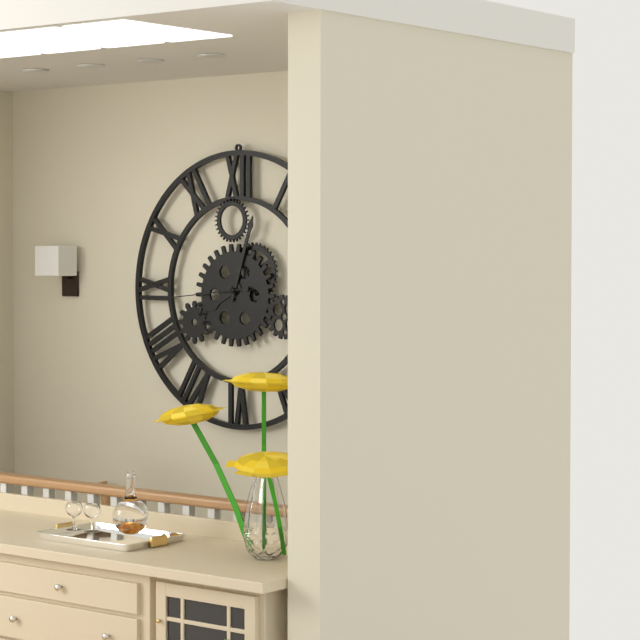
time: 8:03:44
